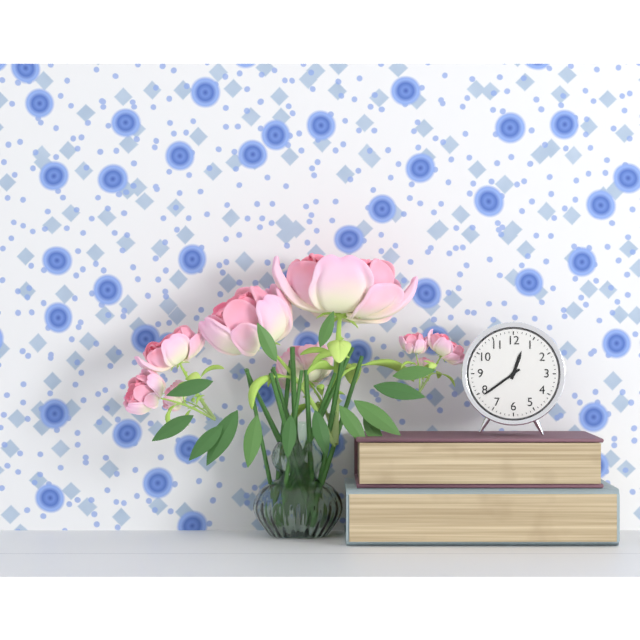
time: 12:39
